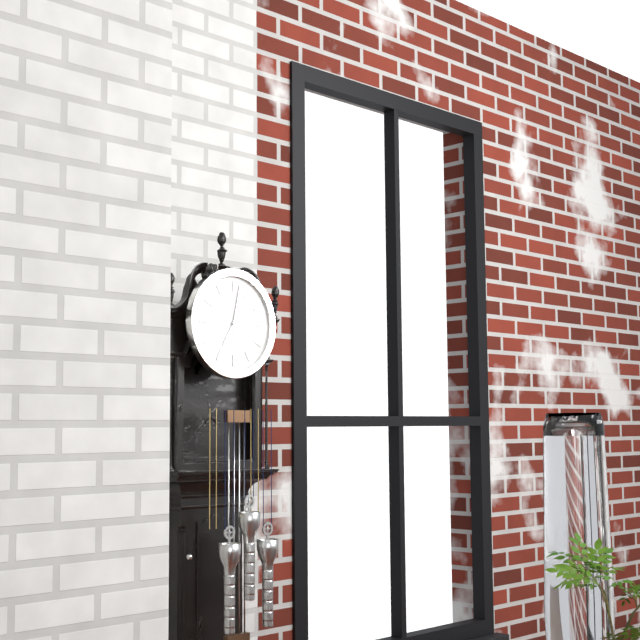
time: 7:02
